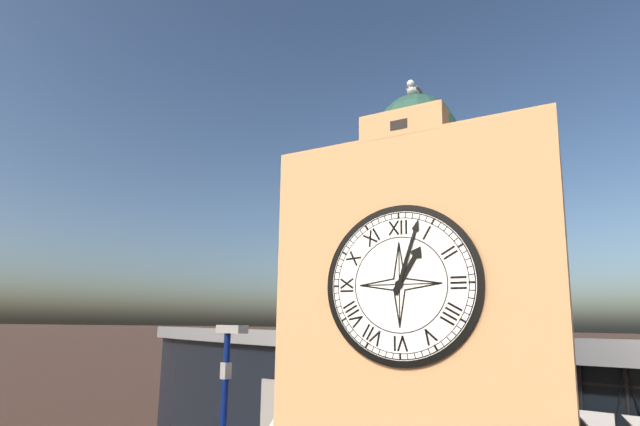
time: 1:03
